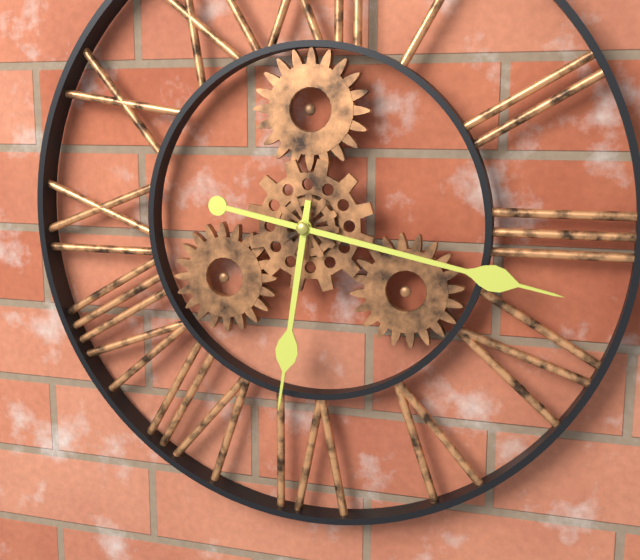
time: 6:17
